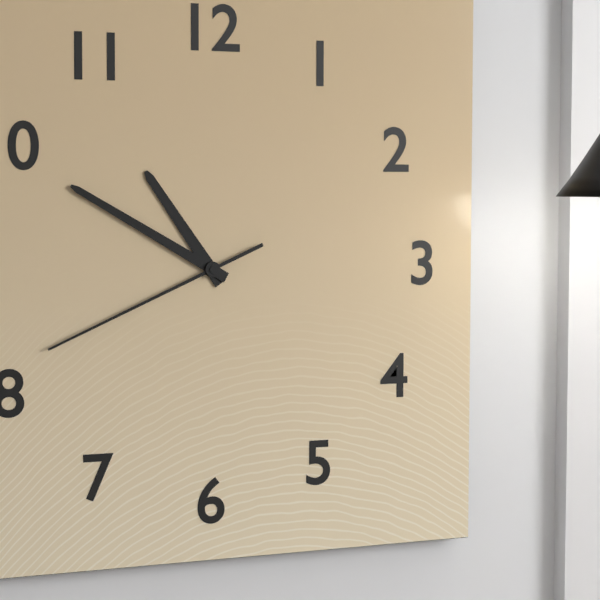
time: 10:50:41
